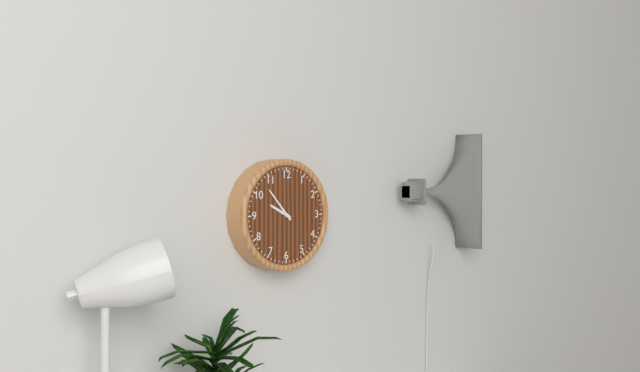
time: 9:53
